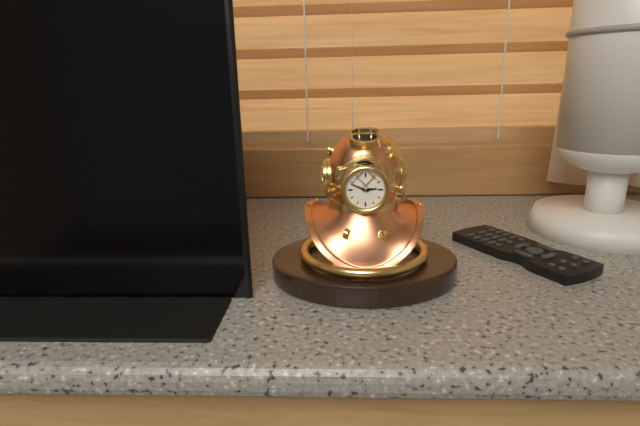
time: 2:49
